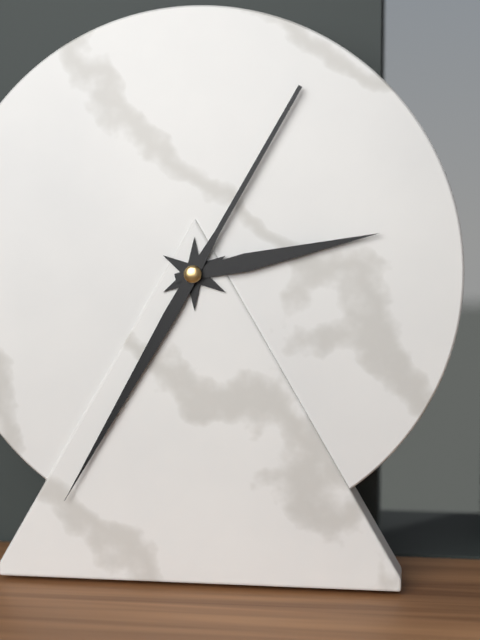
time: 2:35
